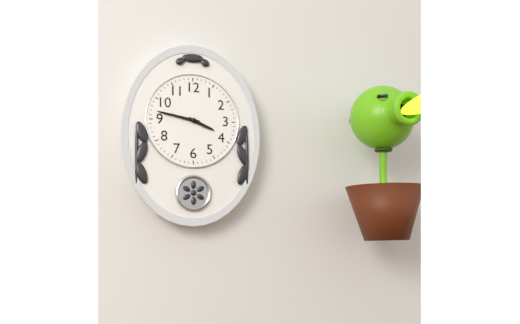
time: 3:47
